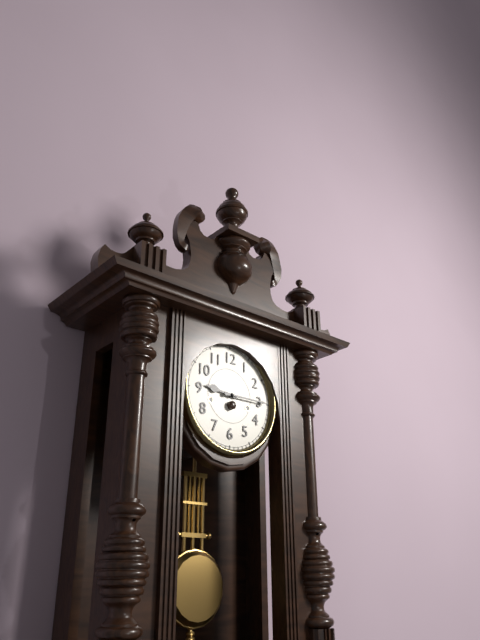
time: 9:15
